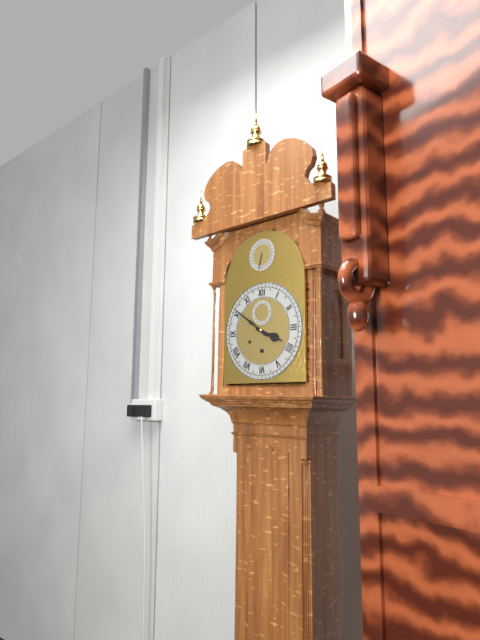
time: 3:51
